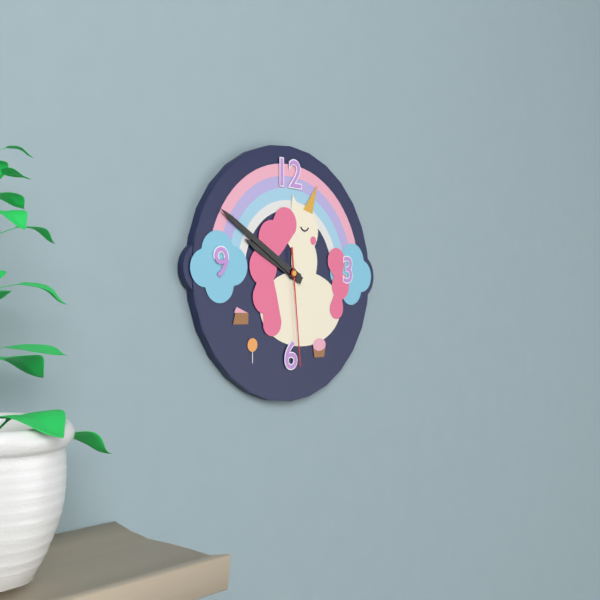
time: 9:50:29
